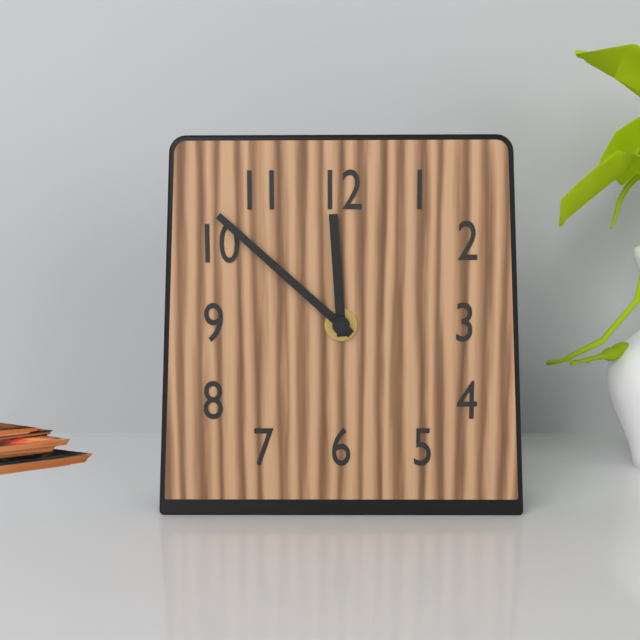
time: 11:52
